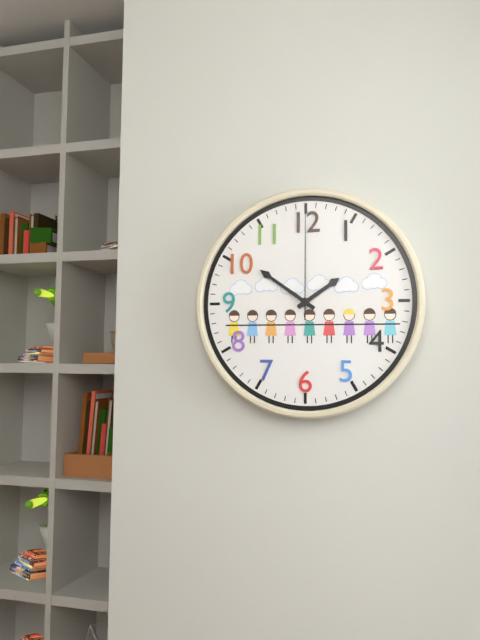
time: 1:51:00
